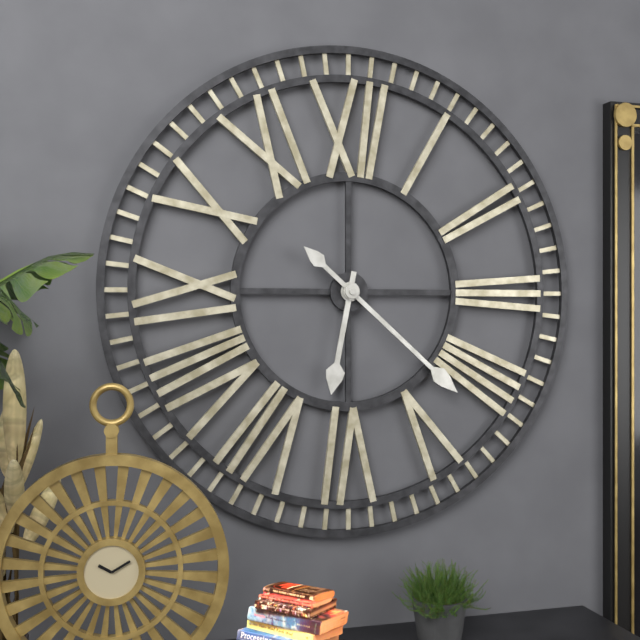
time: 6:22
